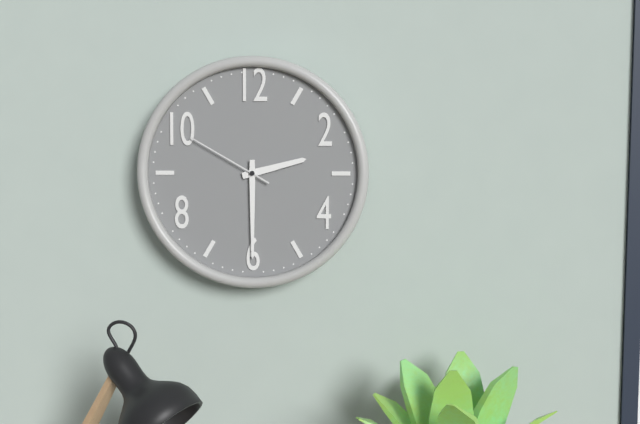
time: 2:30:50
